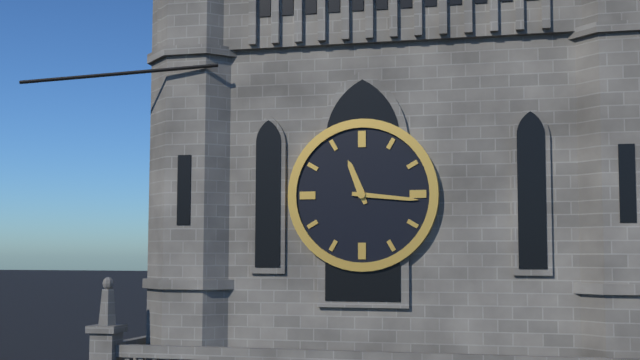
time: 11:16
